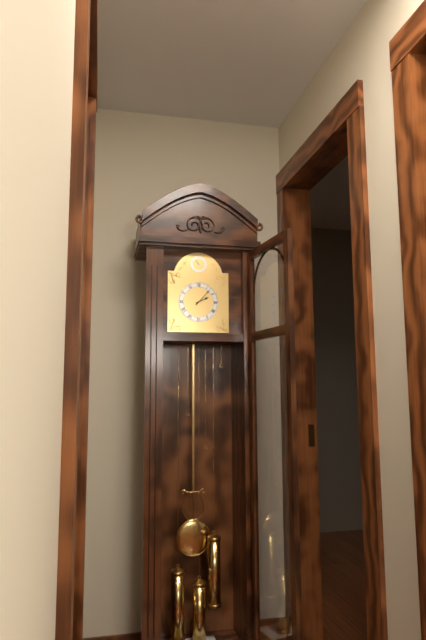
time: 2:07
